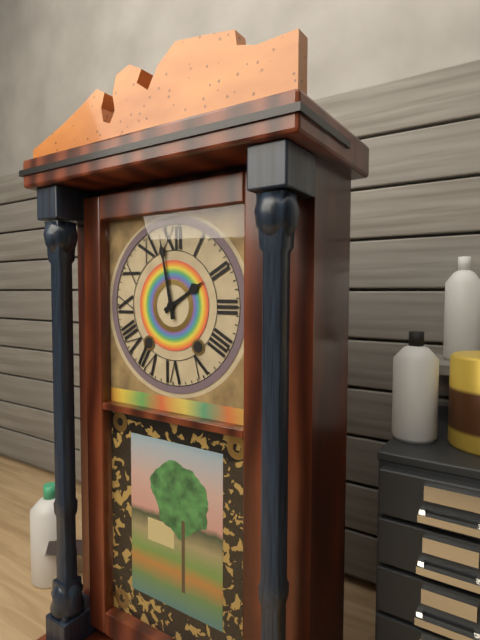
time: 1:58
